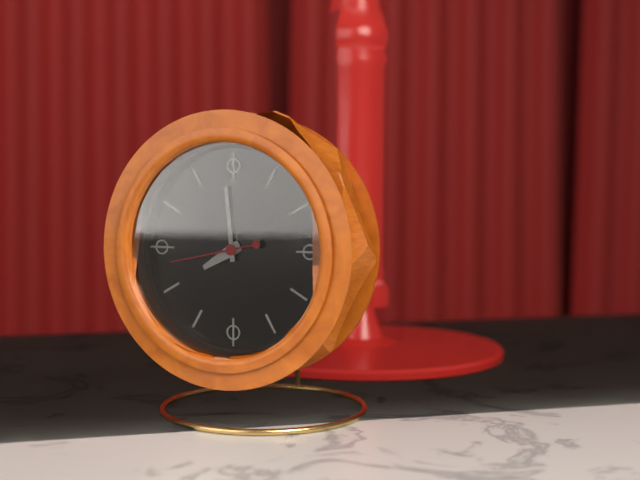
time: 7:59:43
